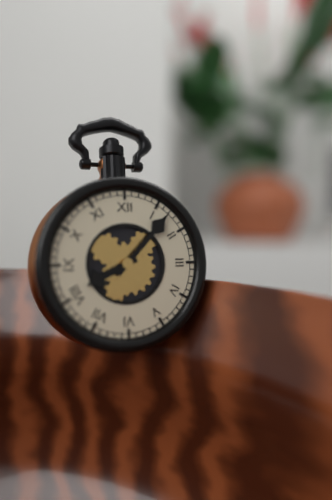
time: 8:07
